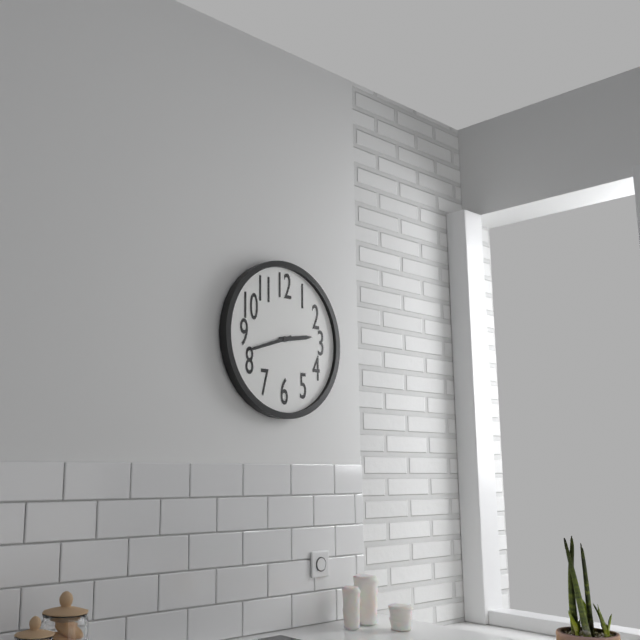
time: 2:42
